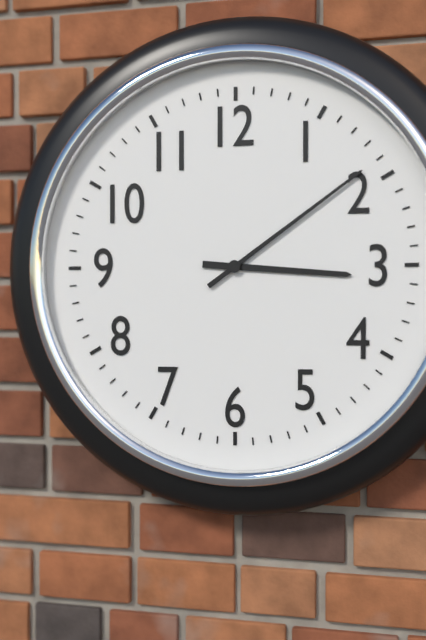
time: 3:09
